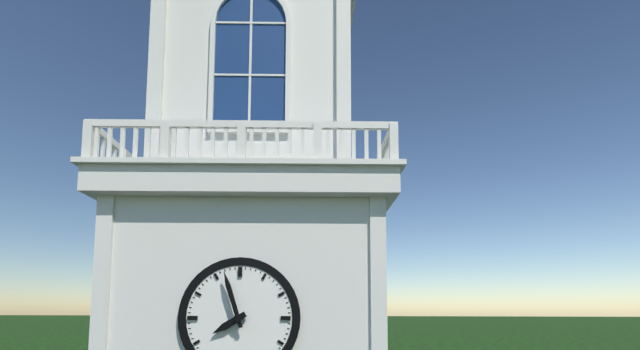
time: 7:57
